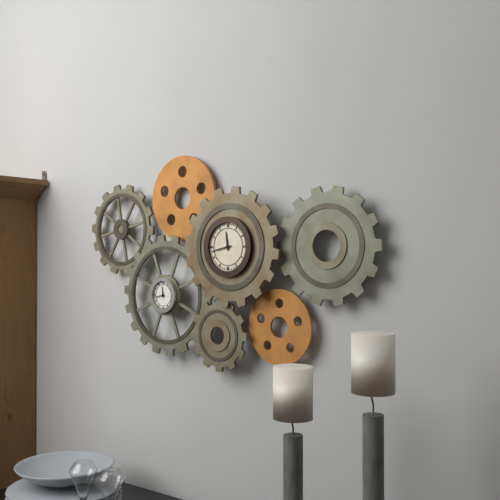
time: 11:43
